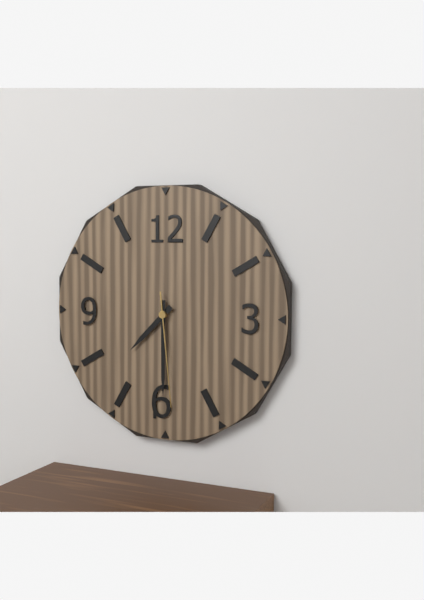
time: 7:30:29
